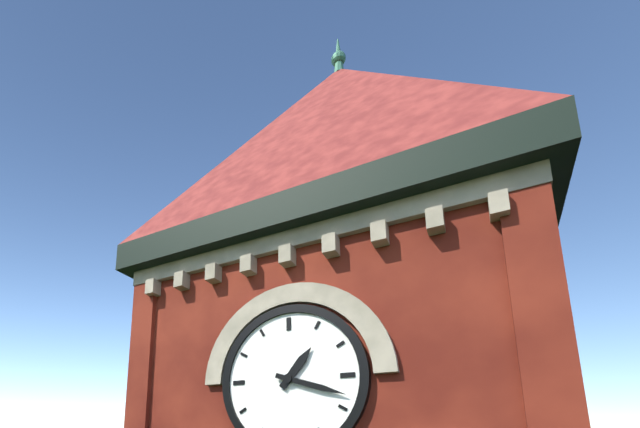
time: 1:18
